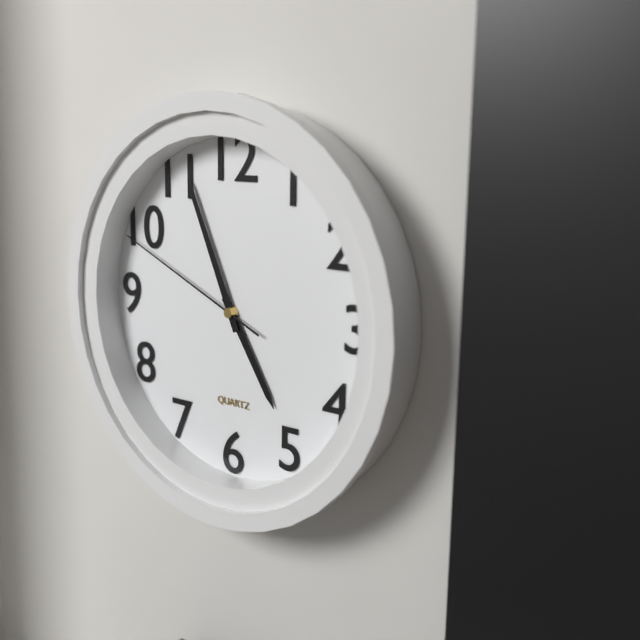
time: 4:56:49
